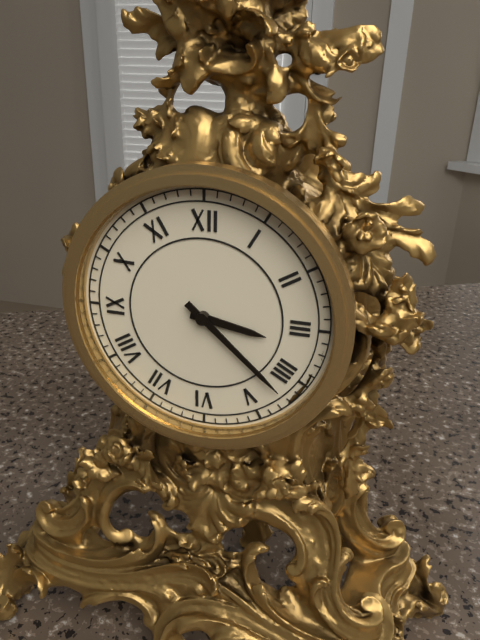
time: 3:22
